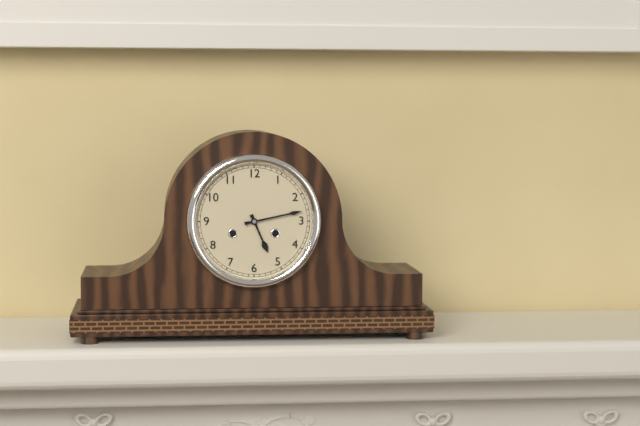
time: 5:13
